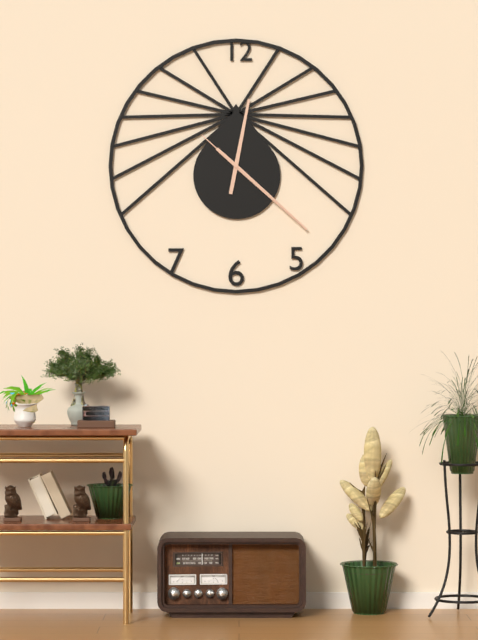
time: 12:22:22
